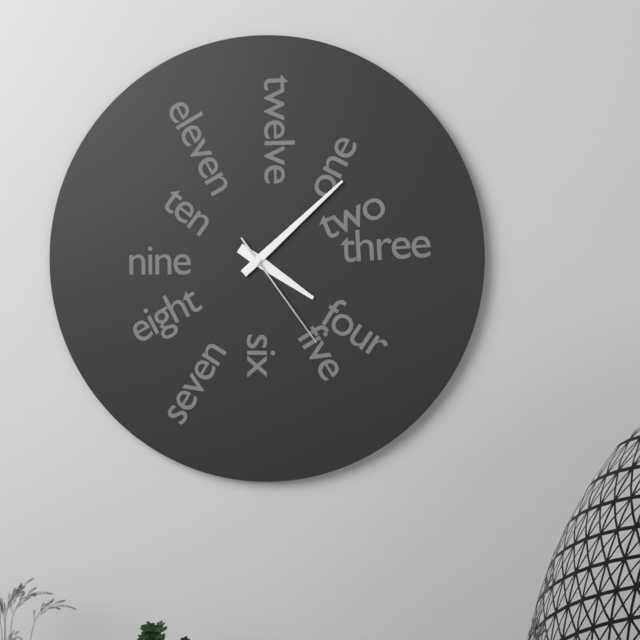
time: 4:08:24
